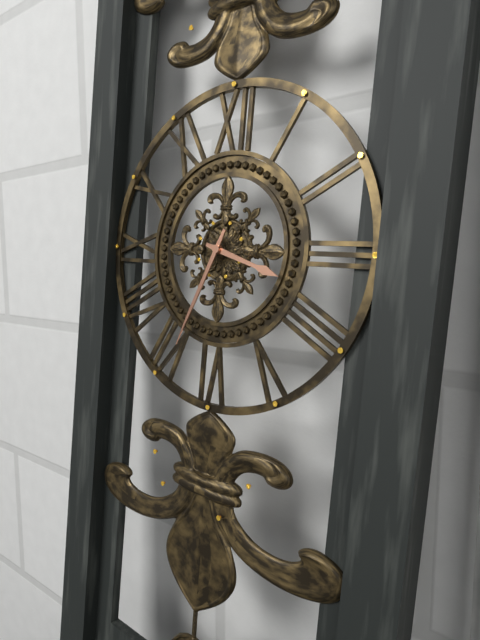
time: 3:34
